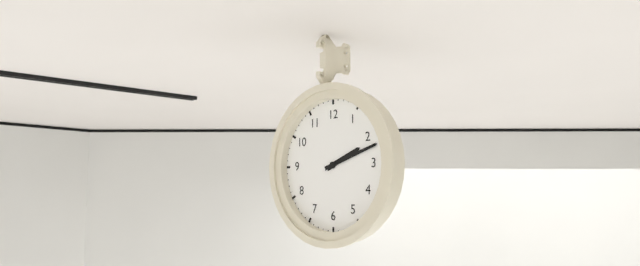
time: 2:12
